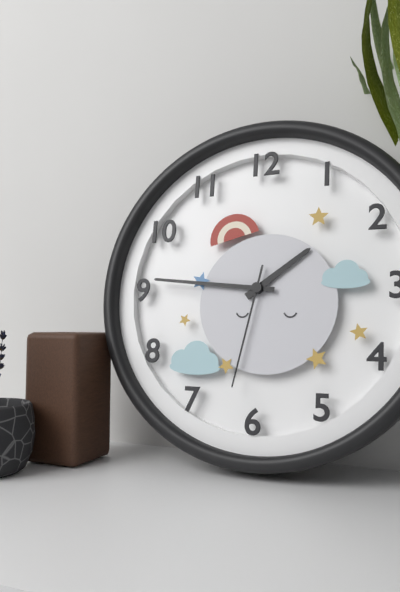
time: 1:46:32
